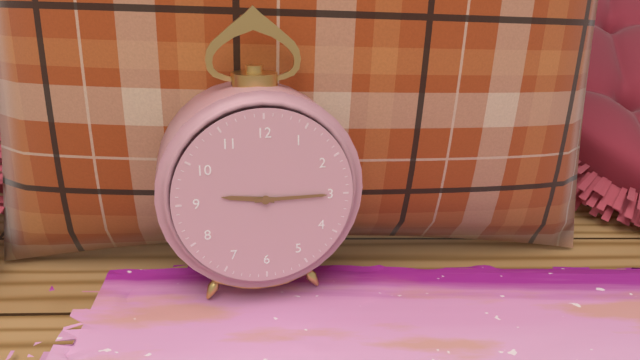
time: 9:15
